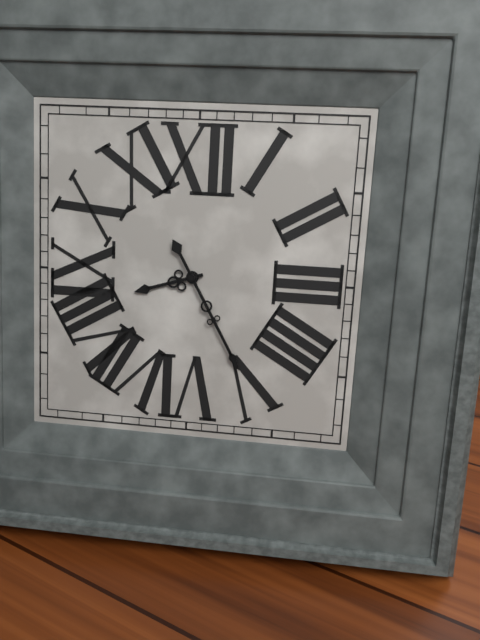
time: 8:25
